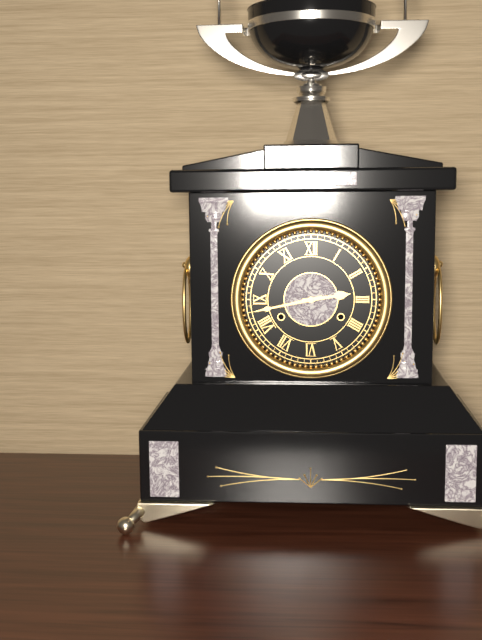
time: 2:43
